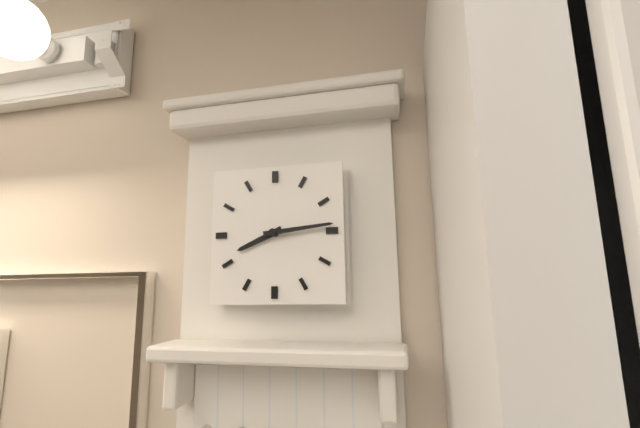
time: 8:14
